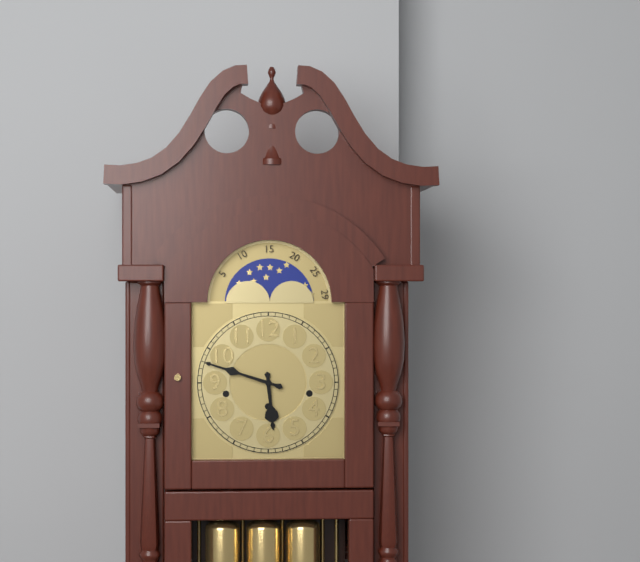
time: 5:48
